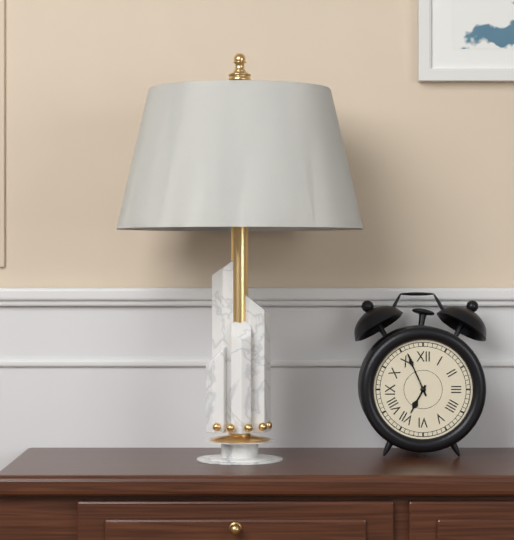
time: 6:56
